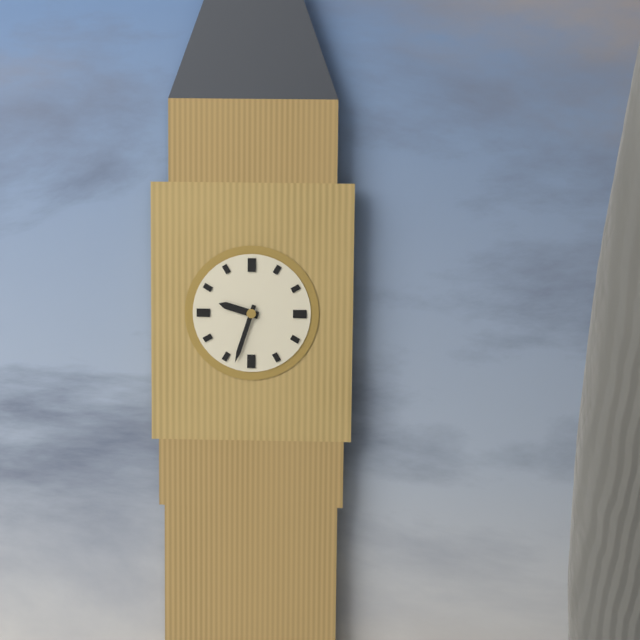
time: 9:33
